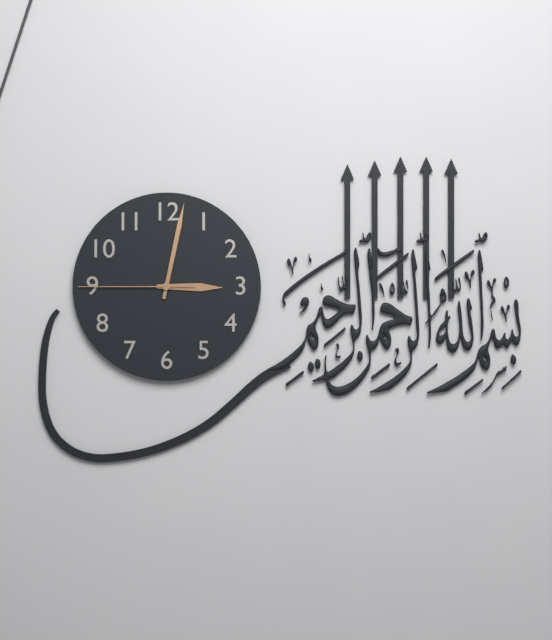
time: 3:02:45
